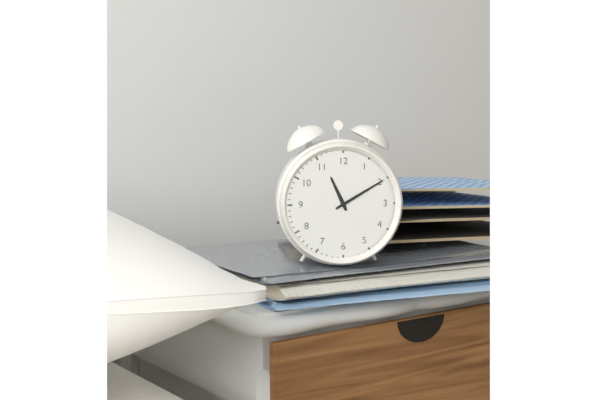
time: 11:10
